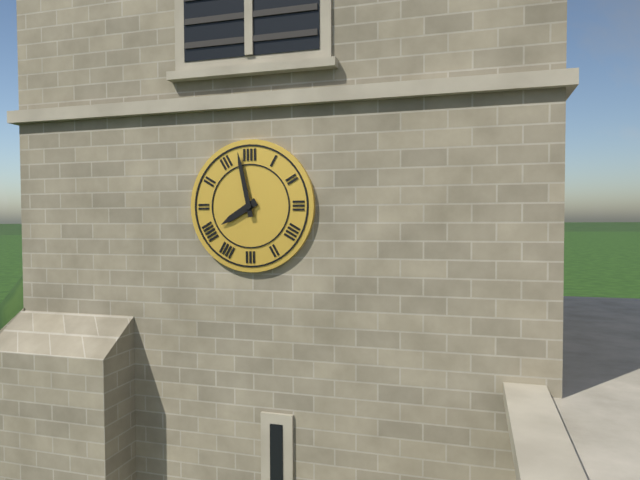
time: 7:58
